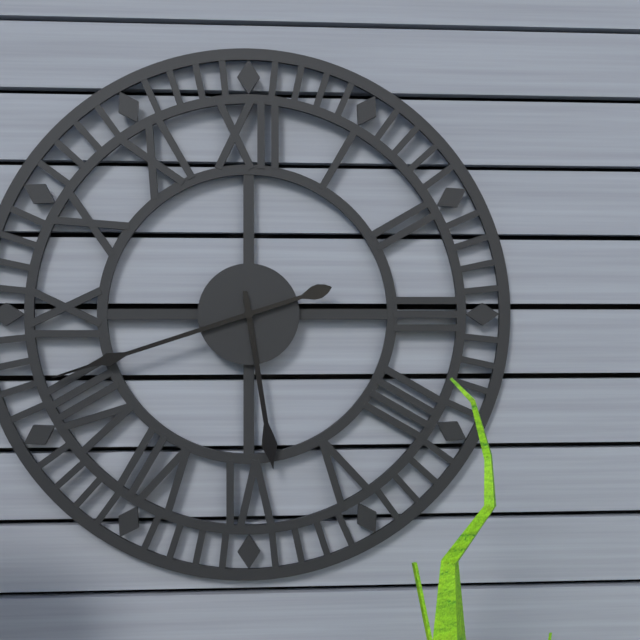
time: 5:42
